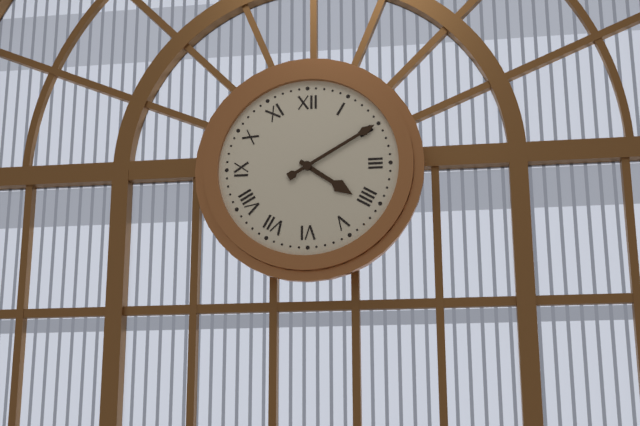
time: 4:10
